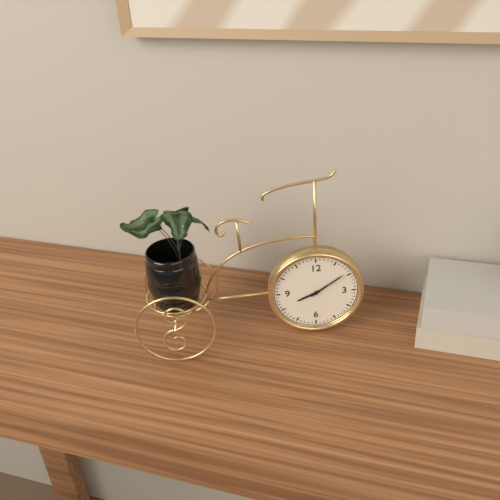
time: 8:09
